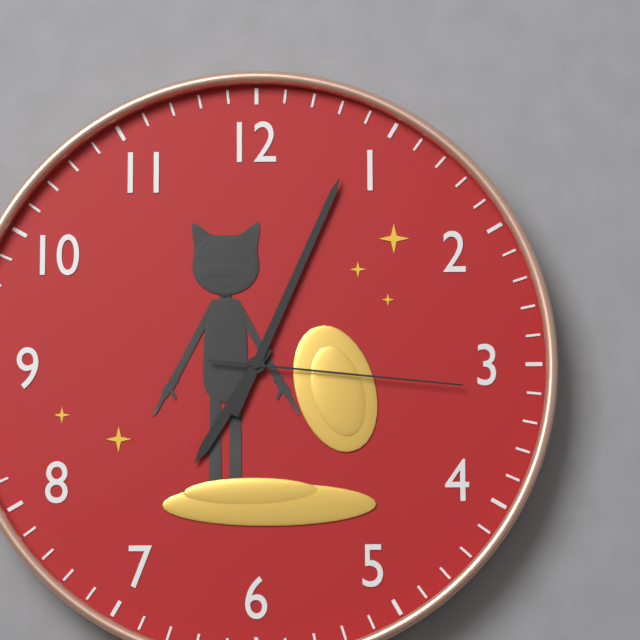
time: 7:04:16
